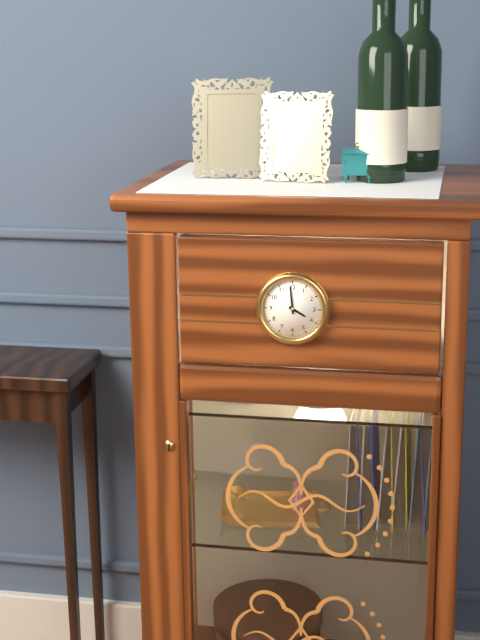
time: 3:59
